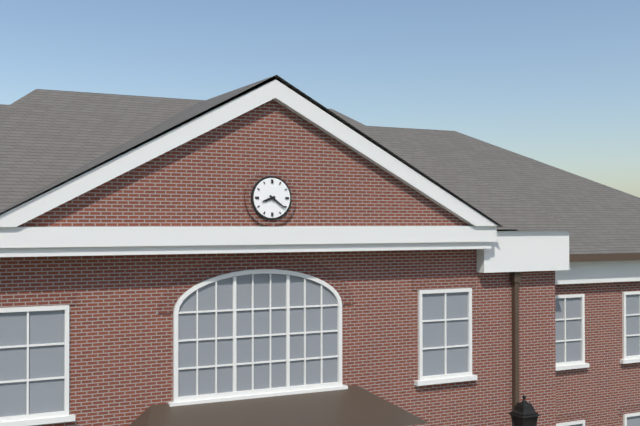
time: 8:21
